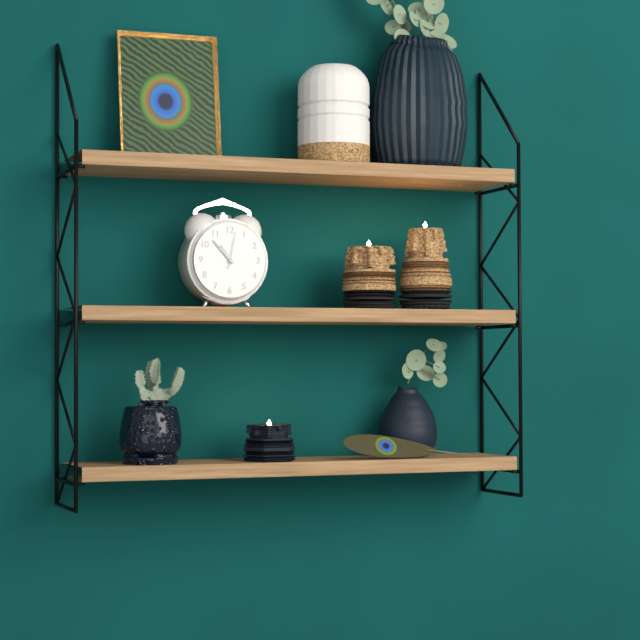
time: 10:53
